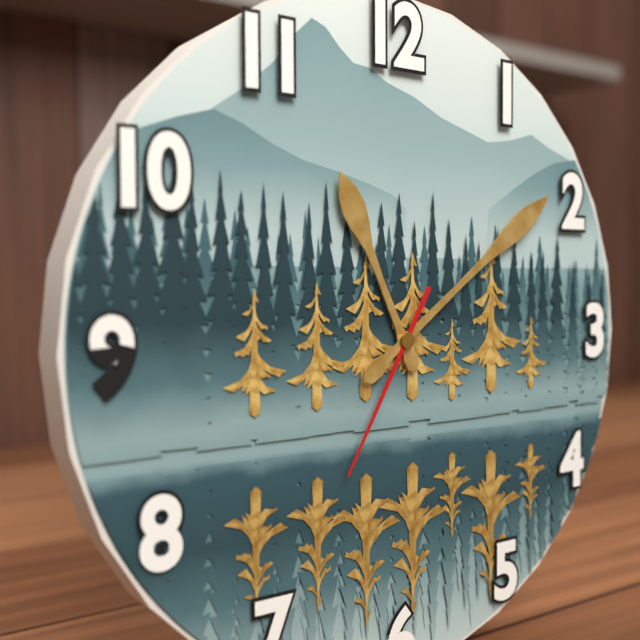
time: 11:09:35
